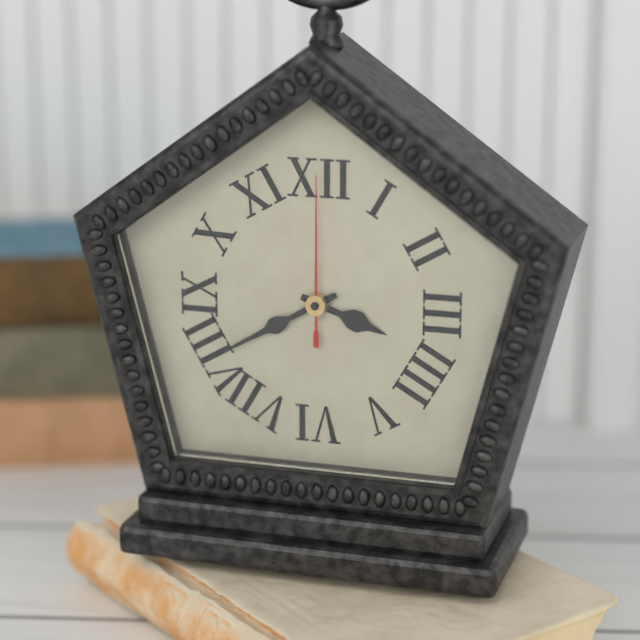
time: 3:40:00
